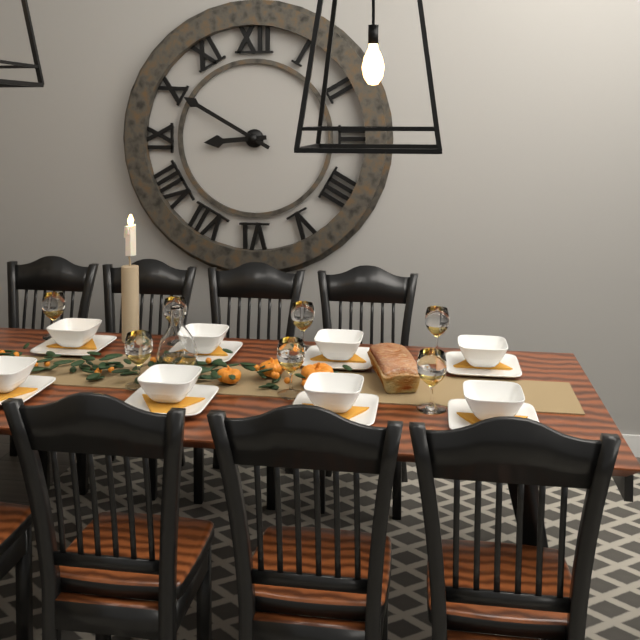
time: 8:50
